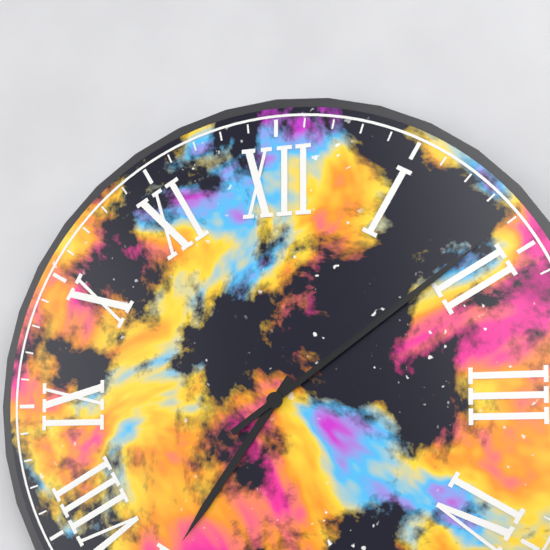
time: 7:09
